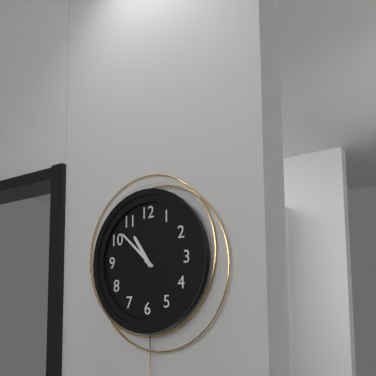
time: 10:52
